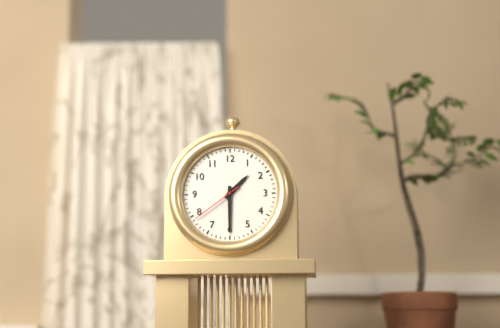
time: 1:30:39
